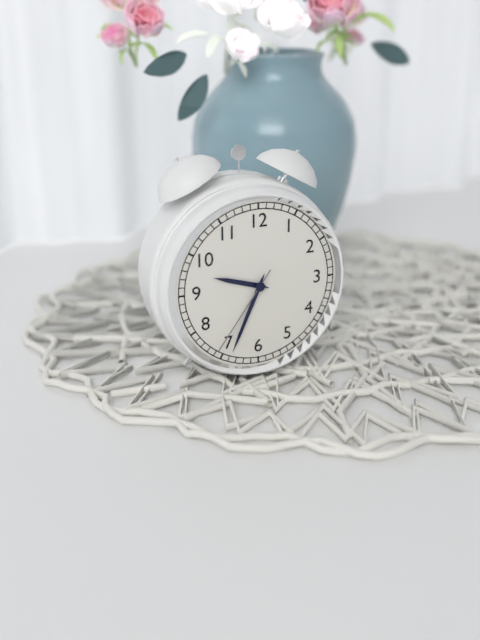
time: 9:34:36
